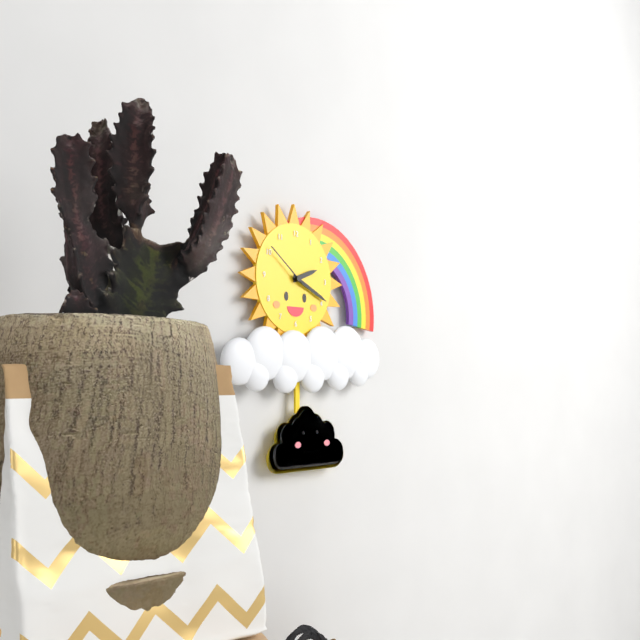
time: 2:19:51
